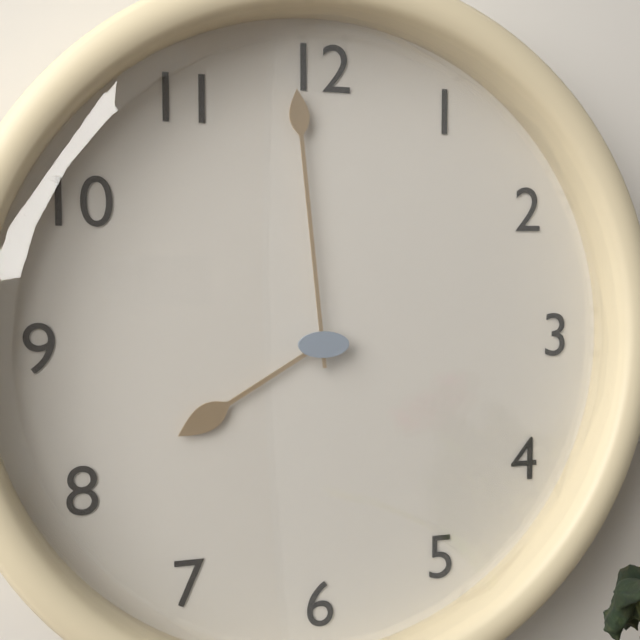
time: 7:59
